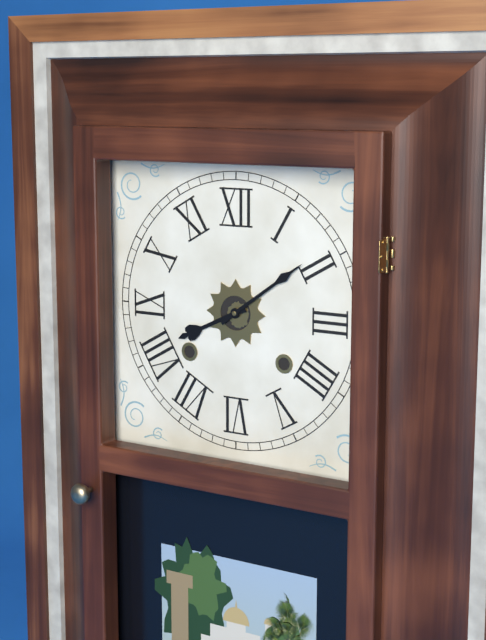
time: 8:09
